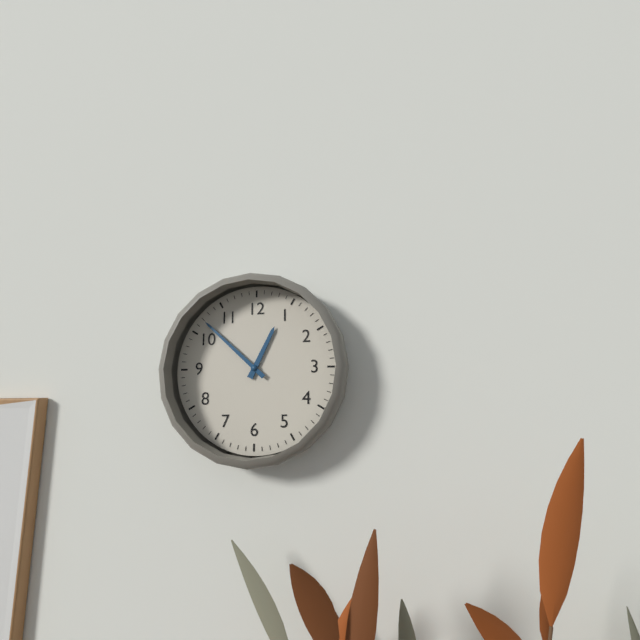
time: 12:52
